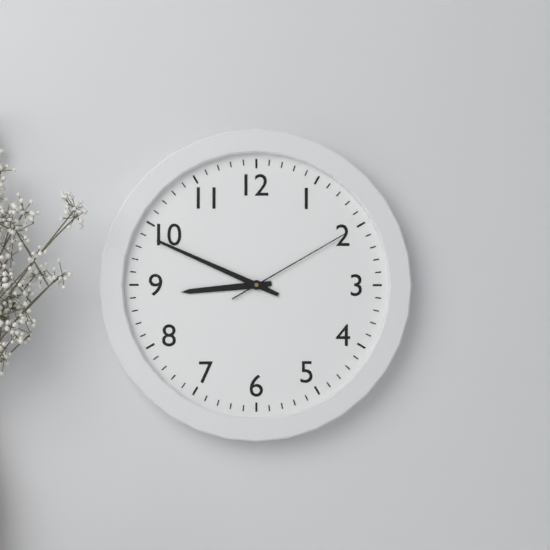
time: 8:49:10
